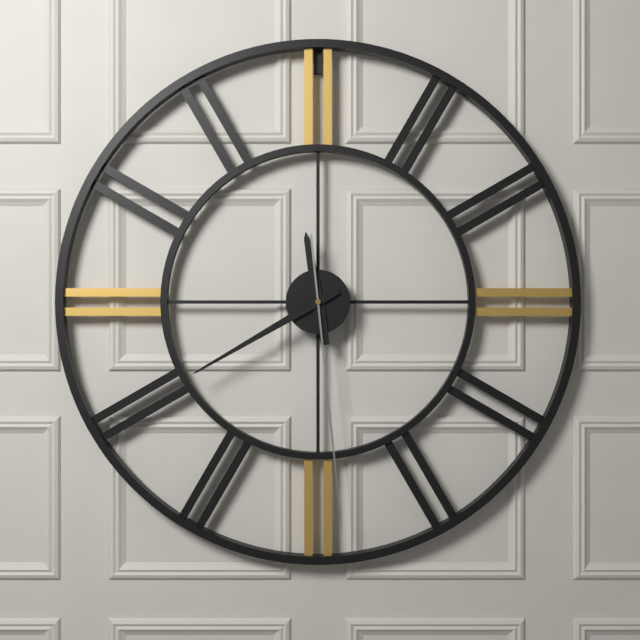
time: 11:40:29
